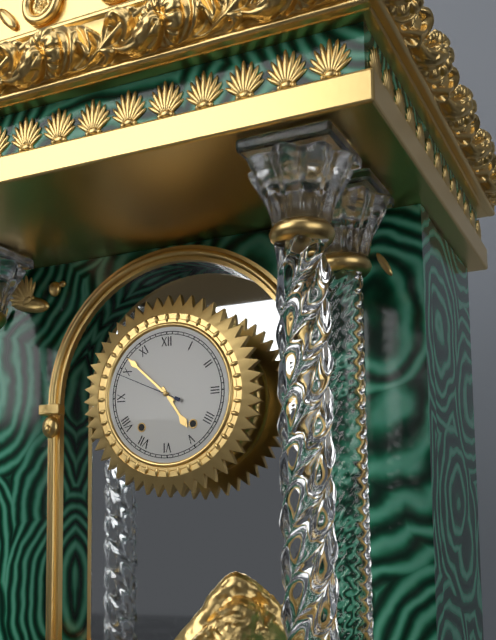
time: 4:52:49
